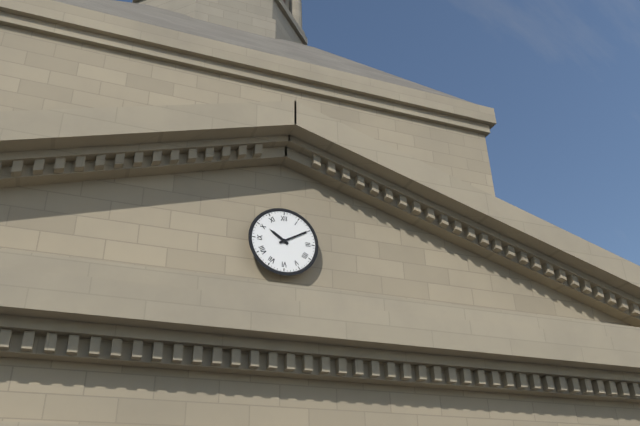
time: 10:10
